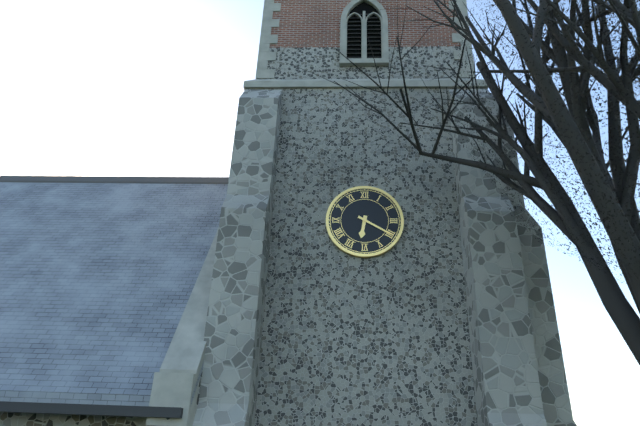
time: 6:20
